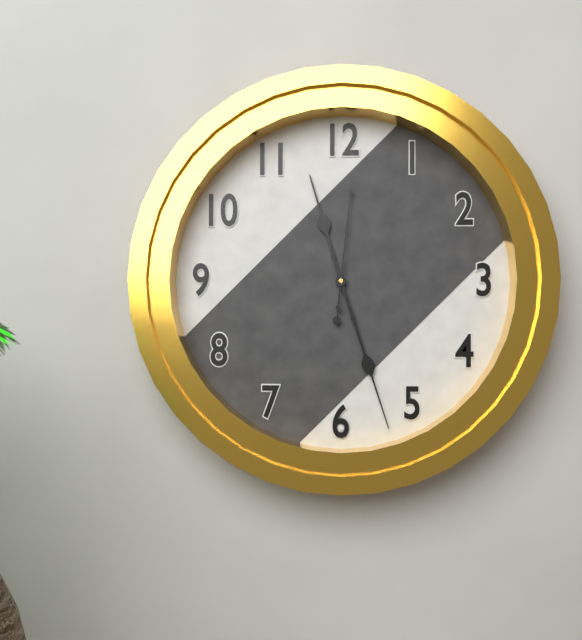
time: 11:27:01
